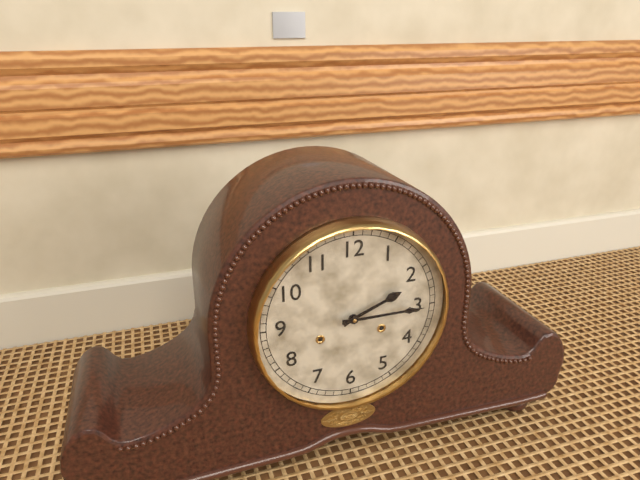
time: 2:15
